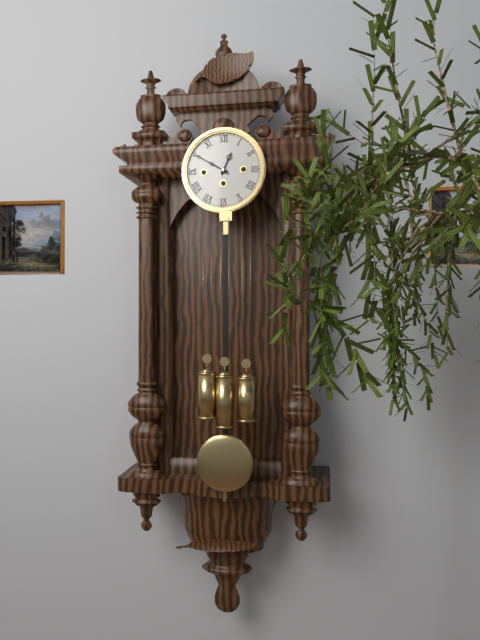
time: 12:50
